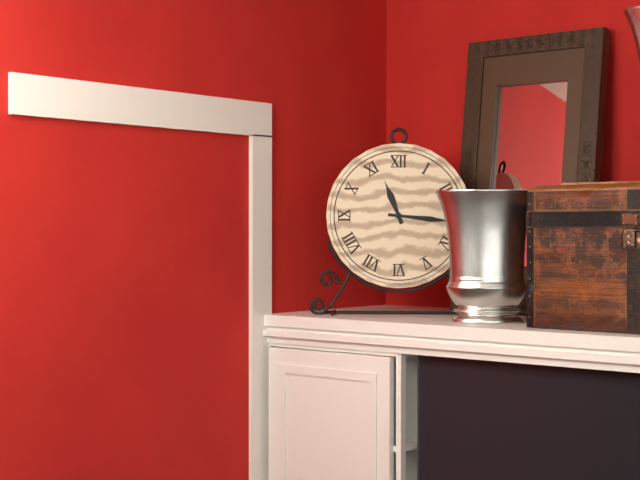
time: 11:16
